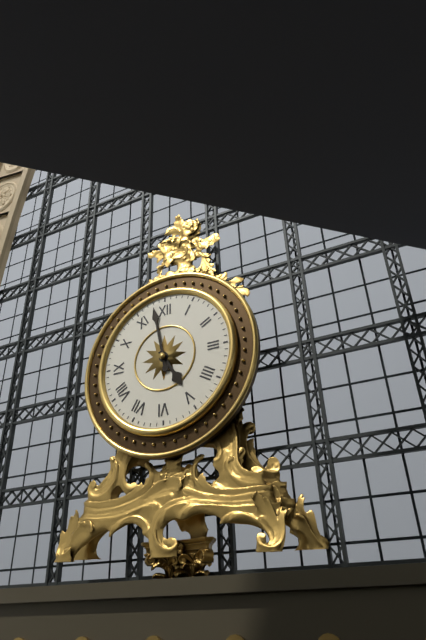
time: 4:58
